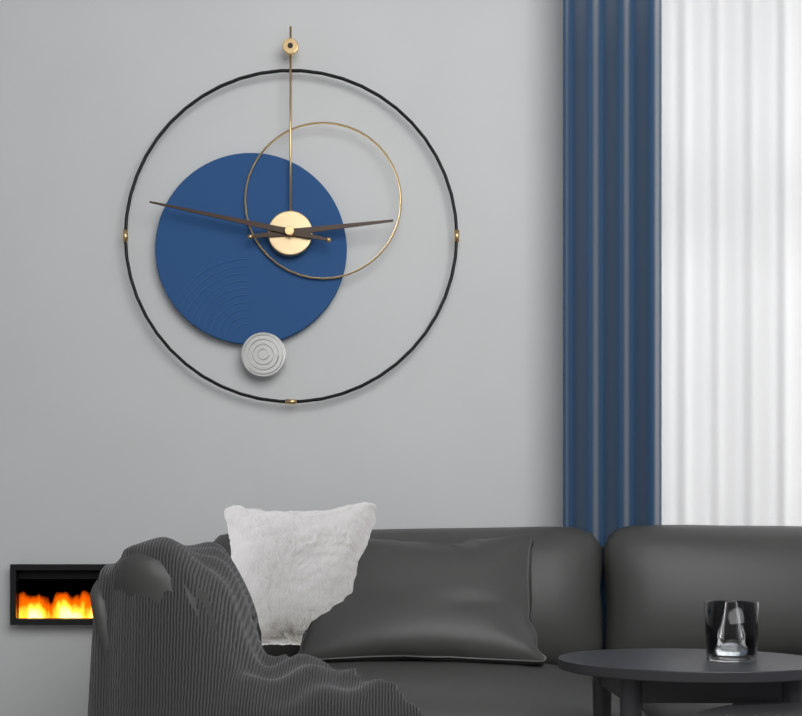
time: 2:47
